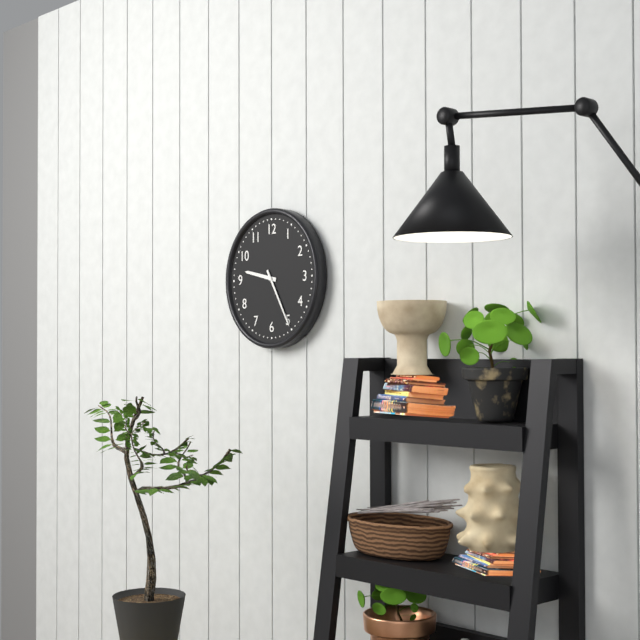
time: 9:25
